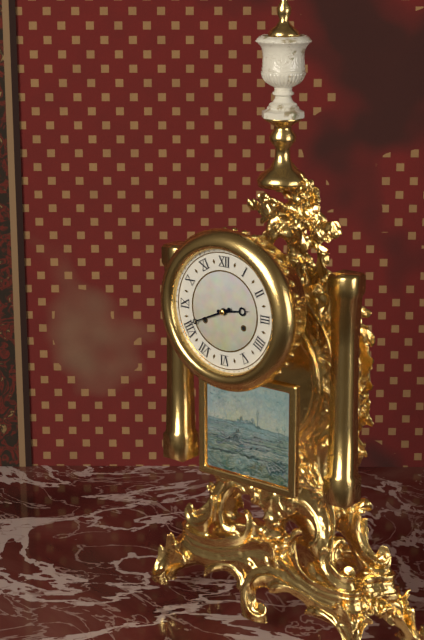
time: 2:41
